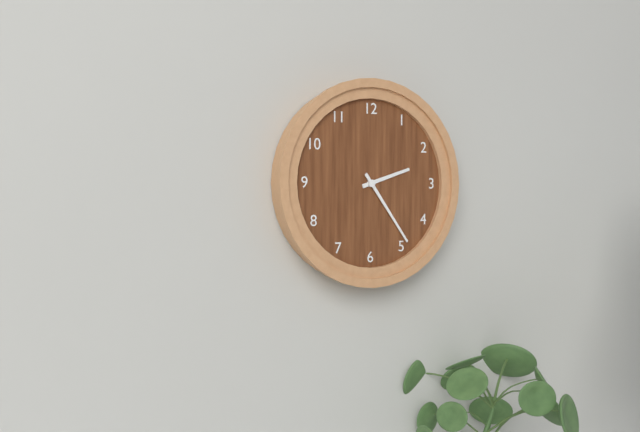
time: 2:24
